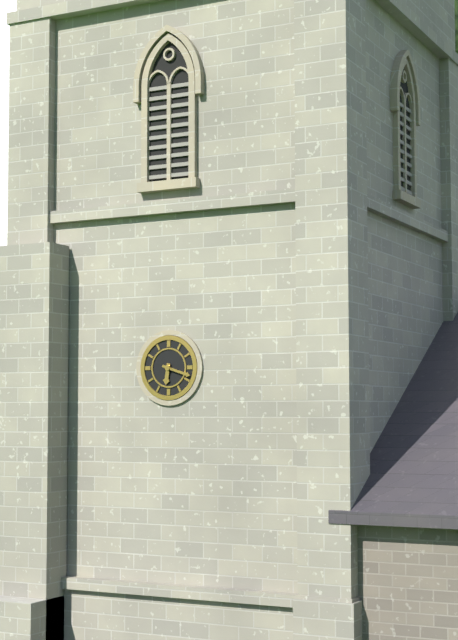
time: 6:18
